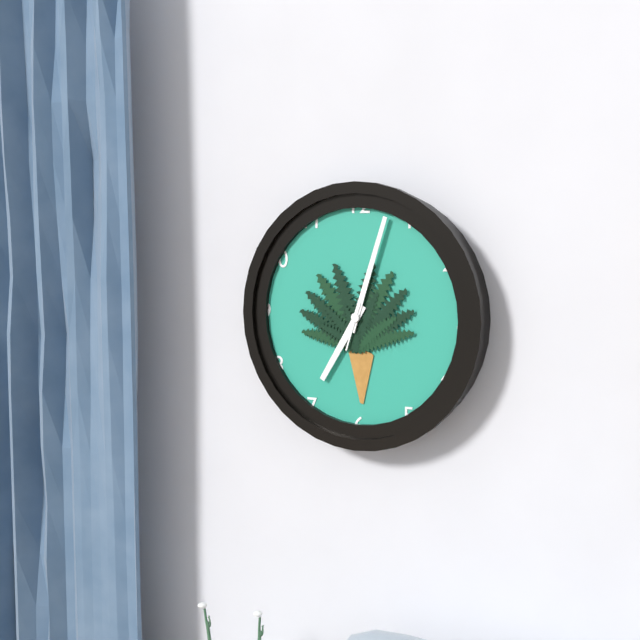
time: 7:03
